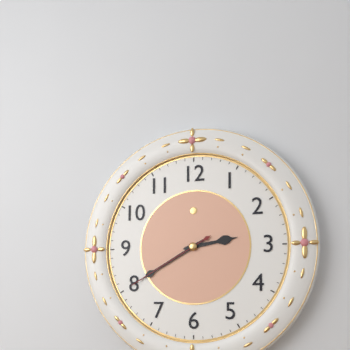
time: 2:40:40
